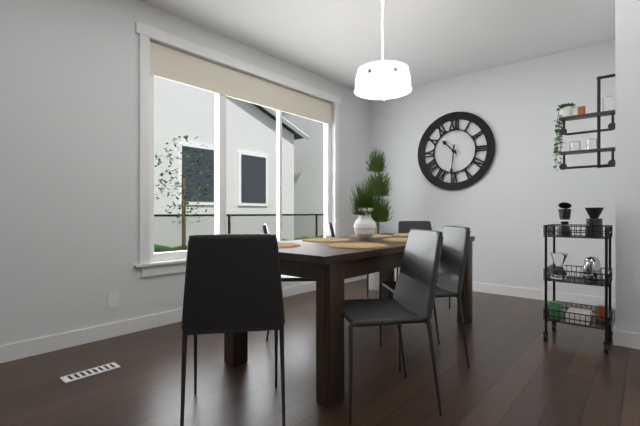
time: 10:31
